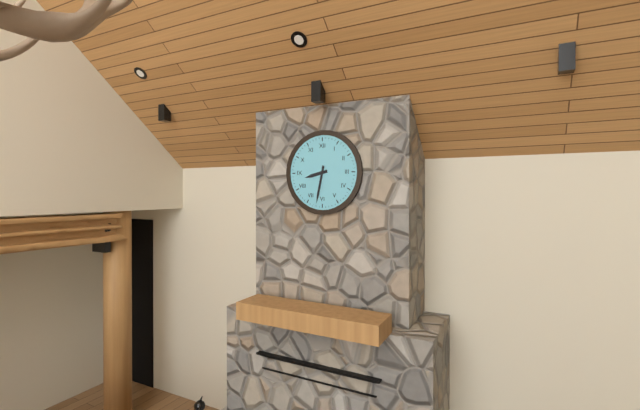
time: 8:32
